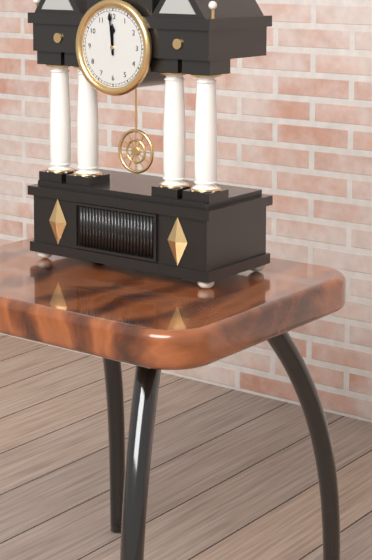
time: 11:59
